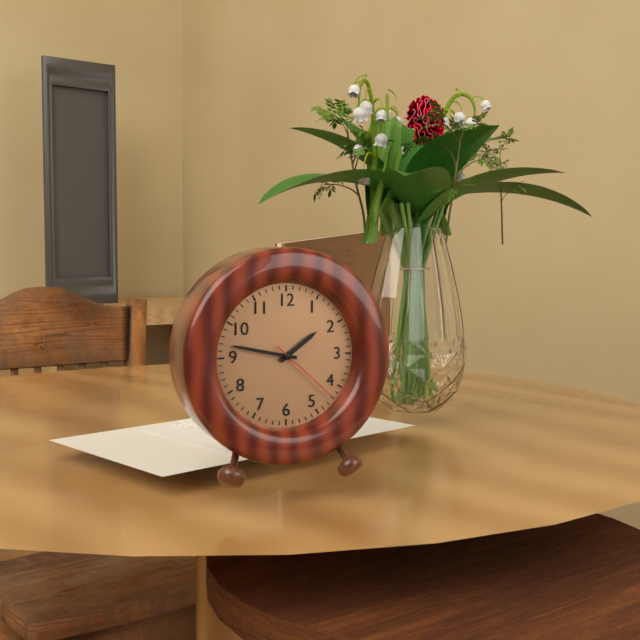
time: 1:47:22
